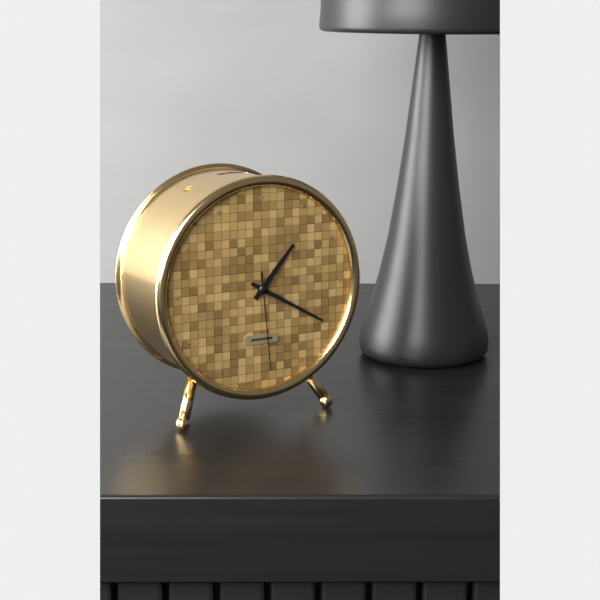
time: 1:20:29
